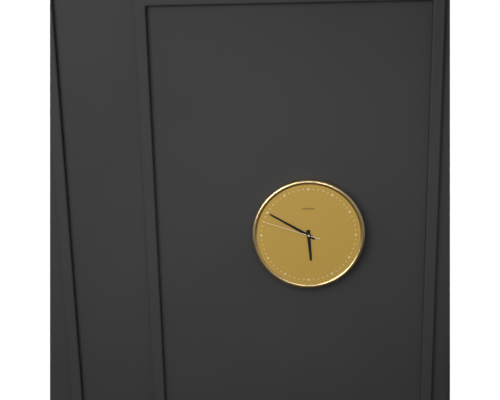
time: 5:50:48
